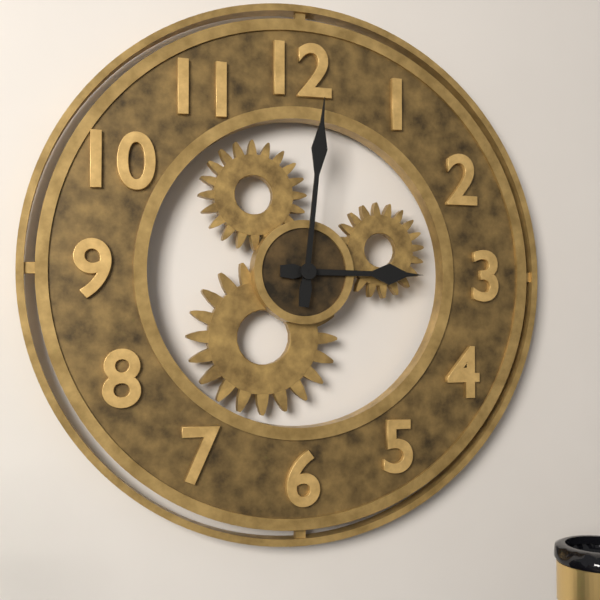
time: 3:01
